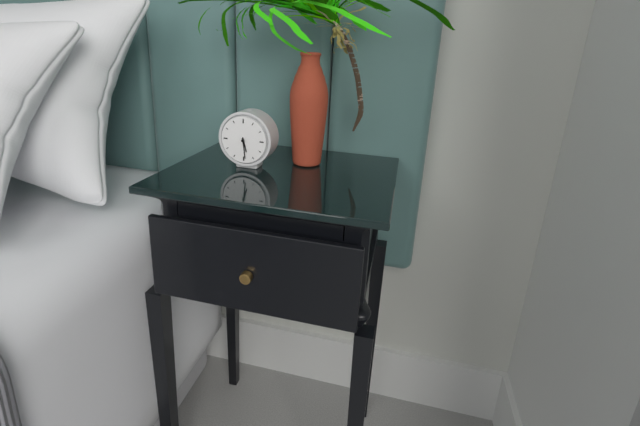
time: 5:29
